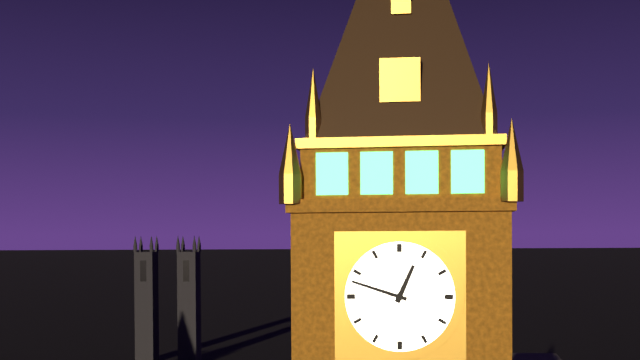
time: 12:48
